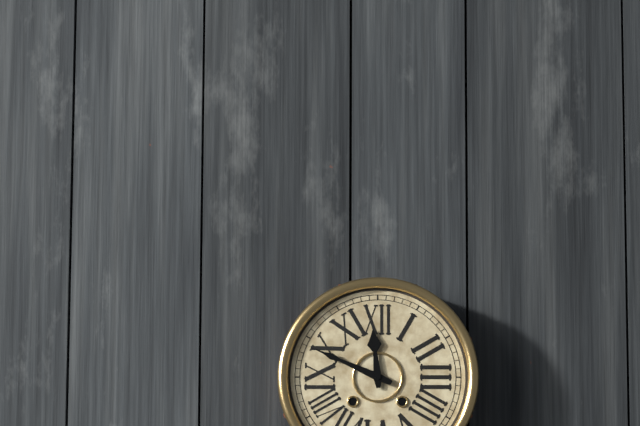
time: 11:49
